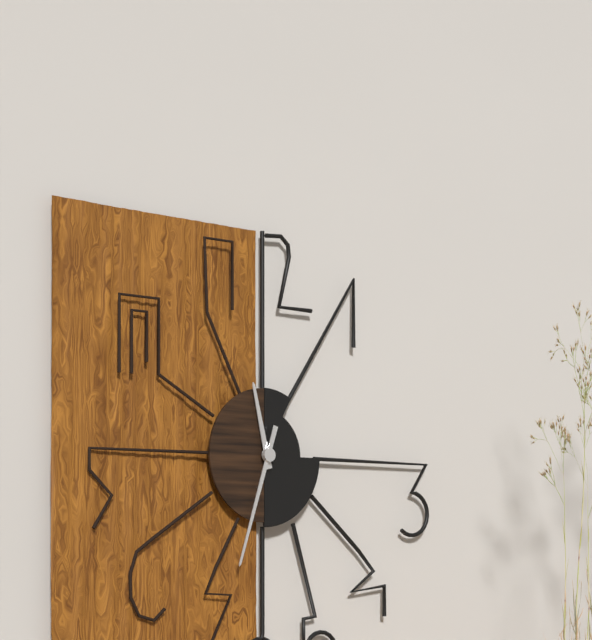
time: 11:33
